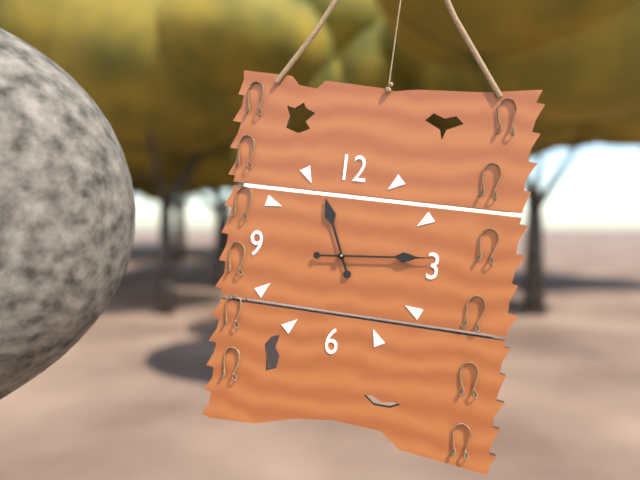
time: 11:14
